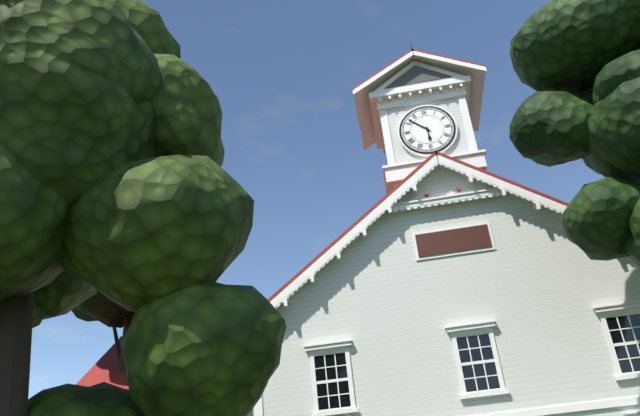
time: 5:52
